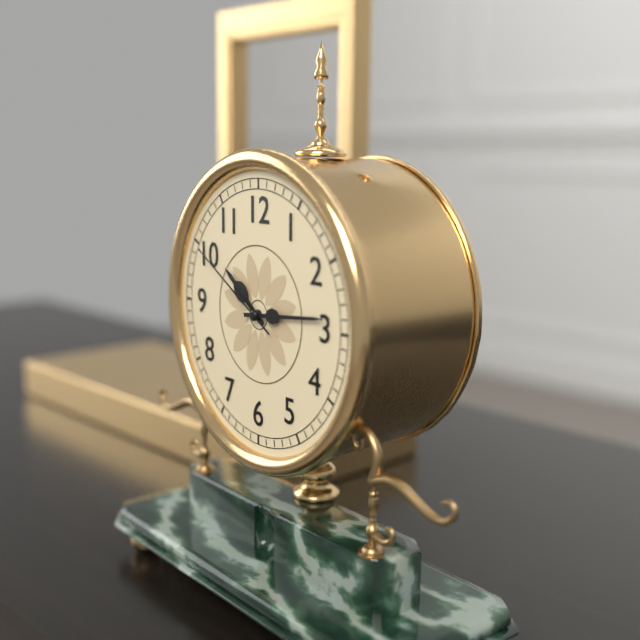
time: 10:14:50
